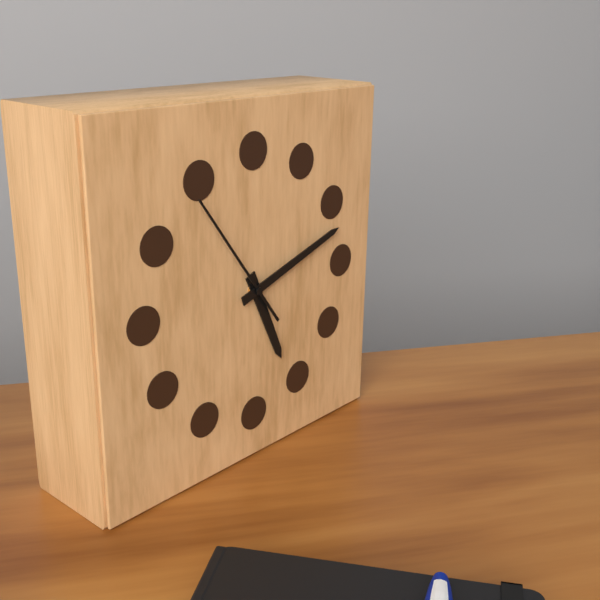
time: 5:12:54
